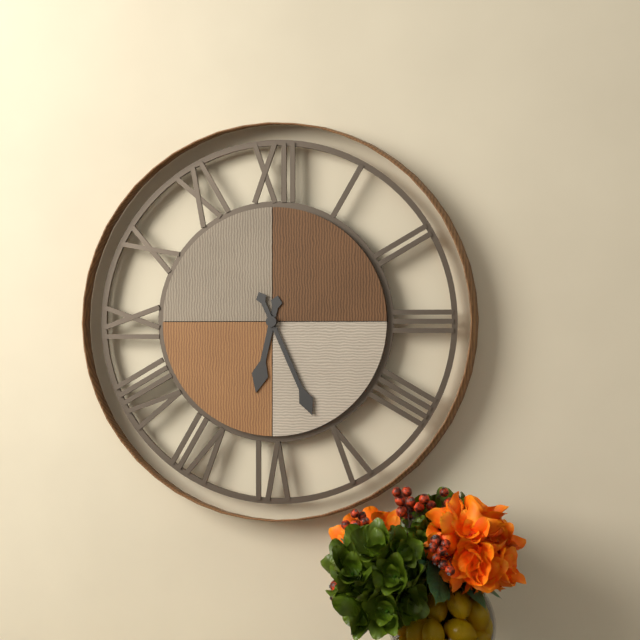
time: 6:26
